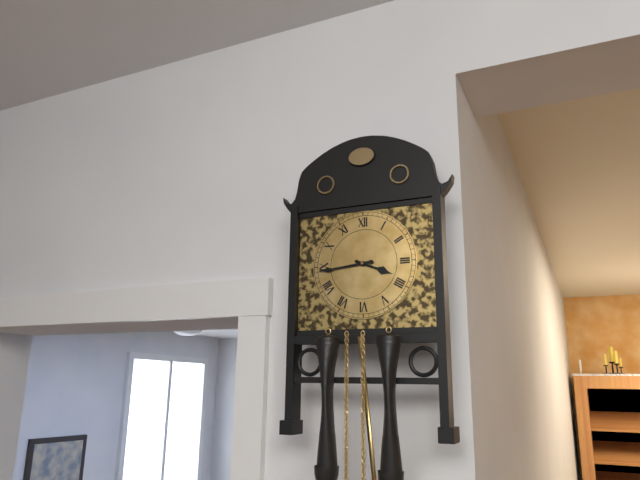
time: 3:44
